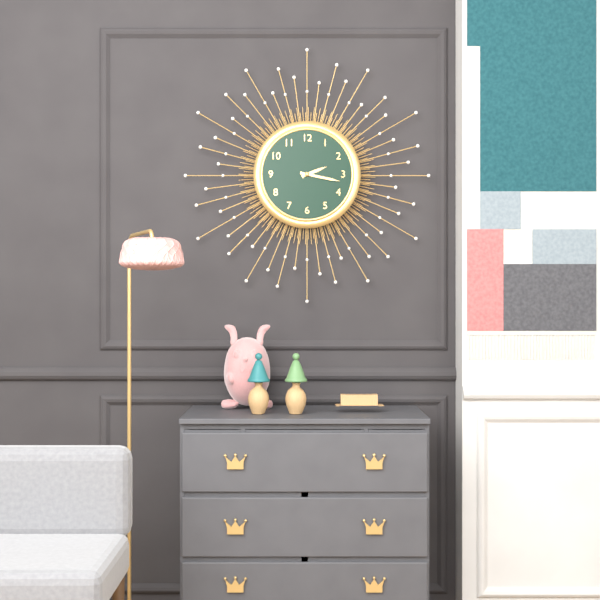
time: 2:17
